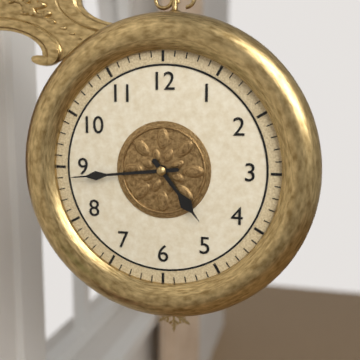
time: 4:44
